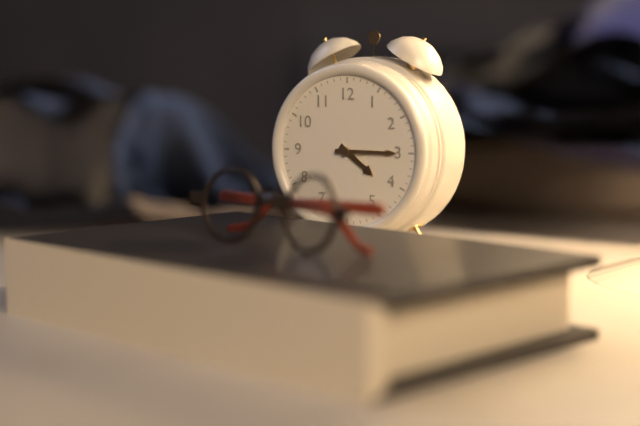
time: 4:15
